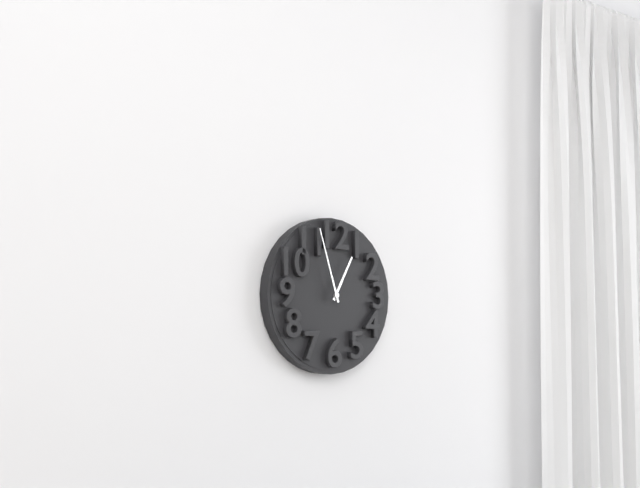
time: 12:57
